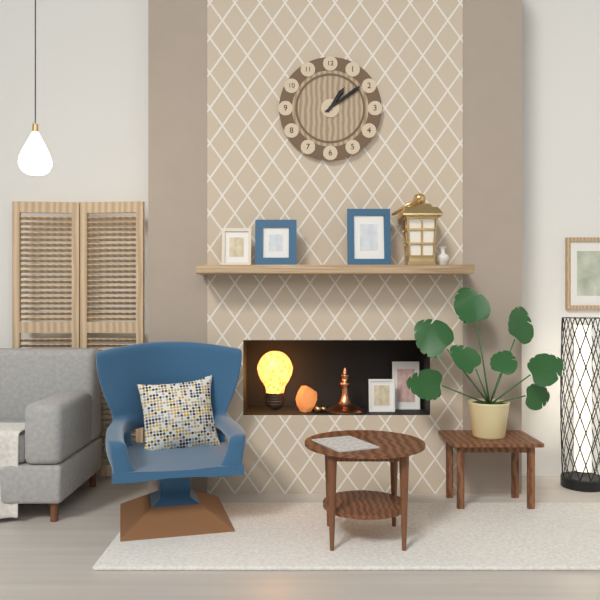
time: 1:09
